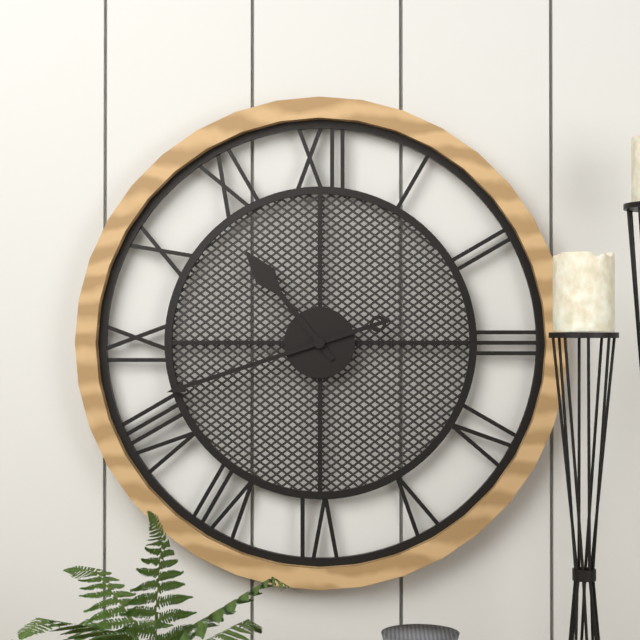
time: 10:42
